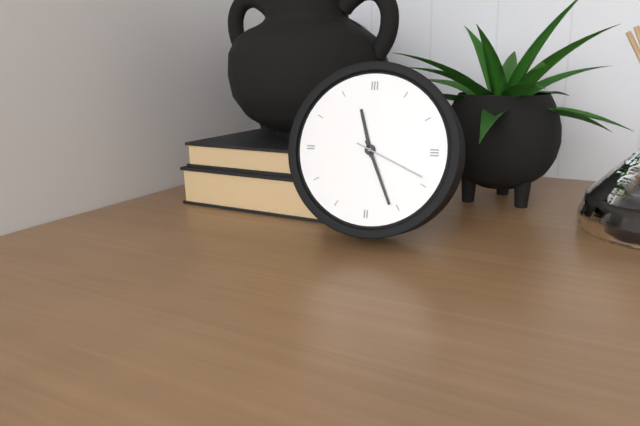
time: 11:26:19
